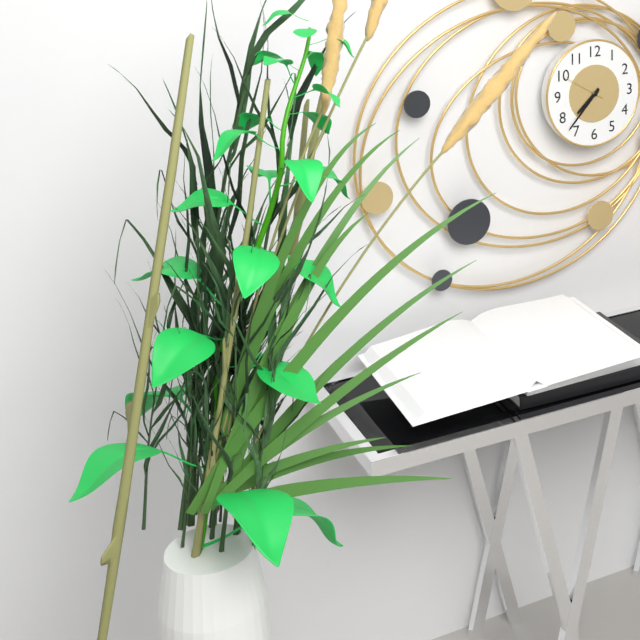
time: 7:37
